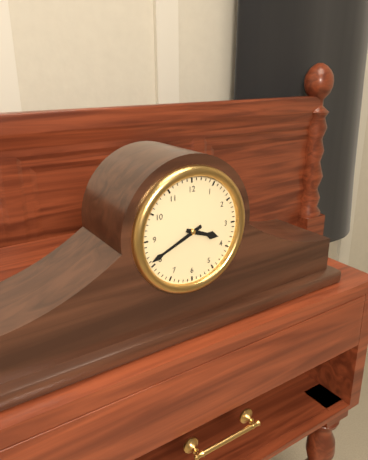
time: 3:41
